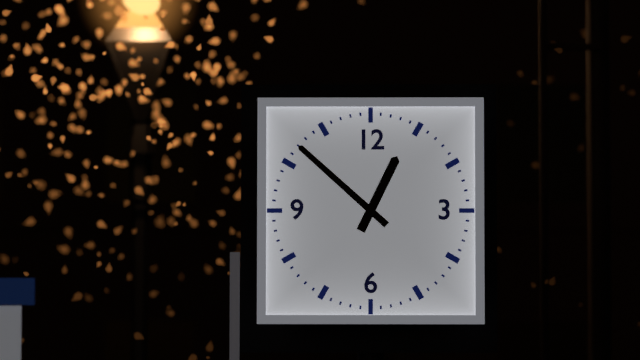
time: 12:52
